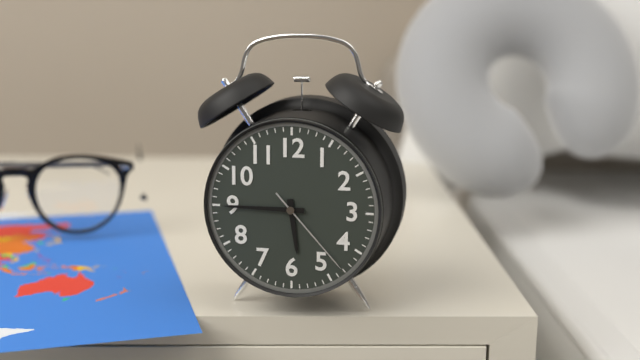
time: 5:45:23
